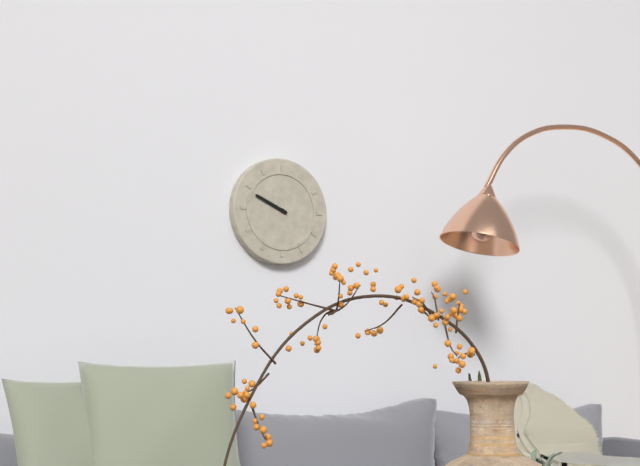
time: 9:49
